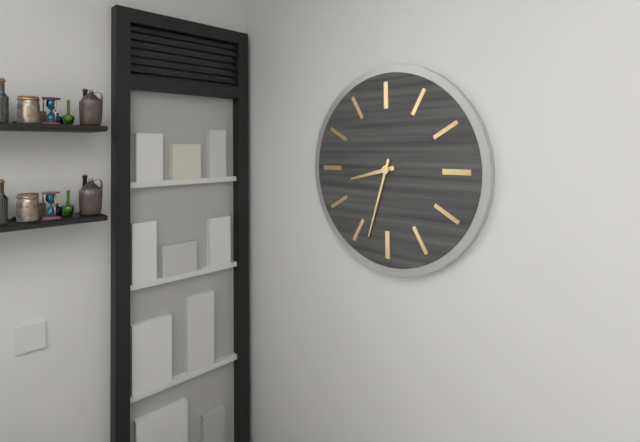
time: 8:33
